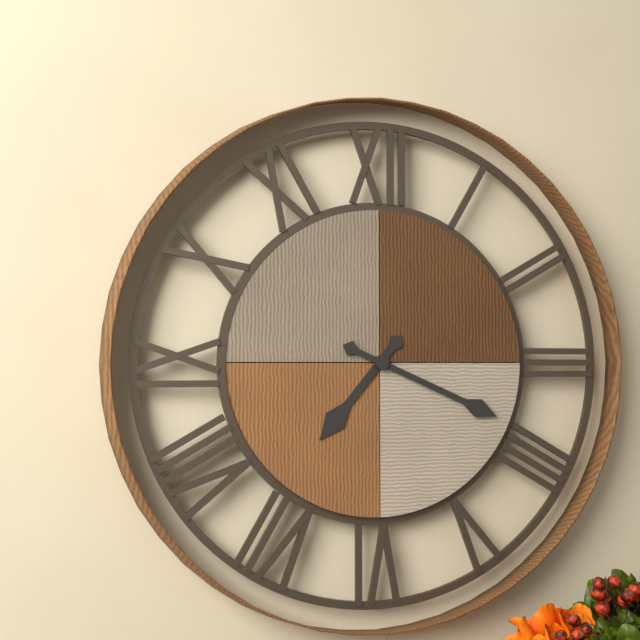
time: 7:19
